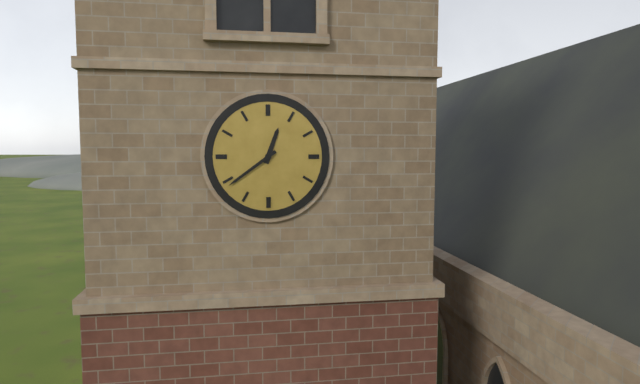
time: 12:39
